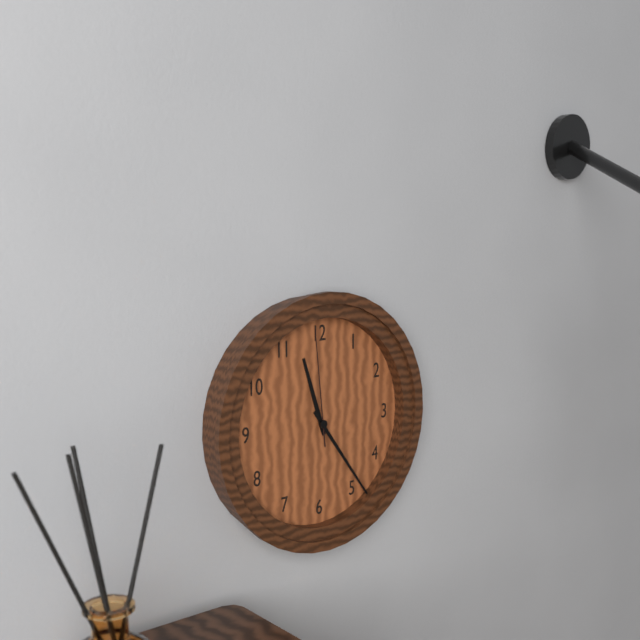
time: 11:24:59
